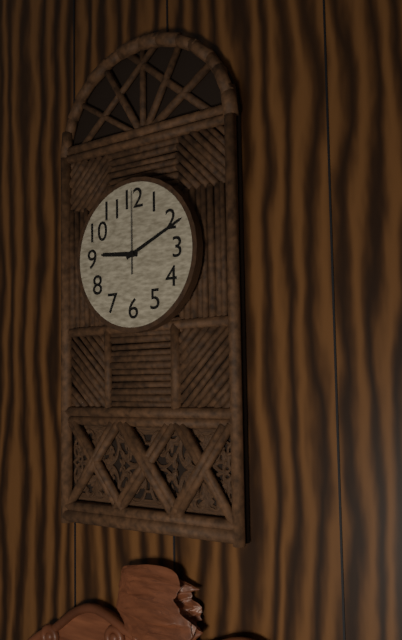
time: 9:11:00
